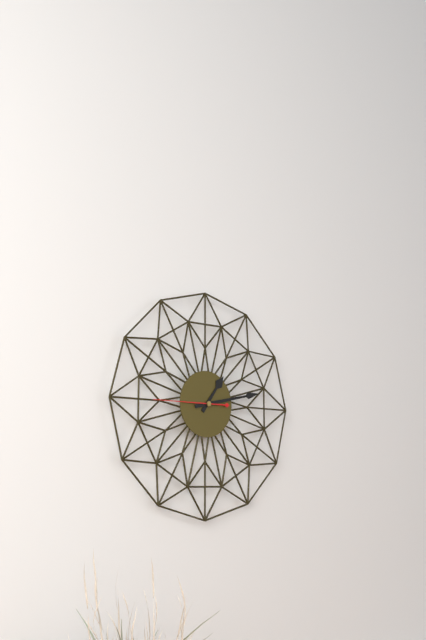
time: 1:13:45
